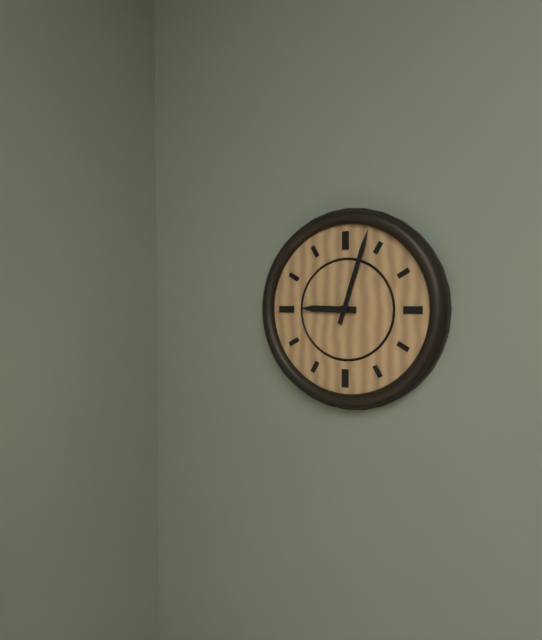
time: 9:03
